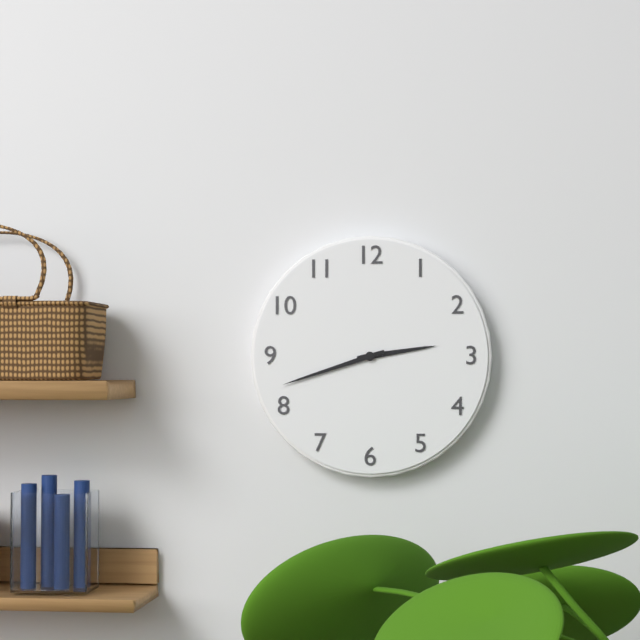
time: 2:42
